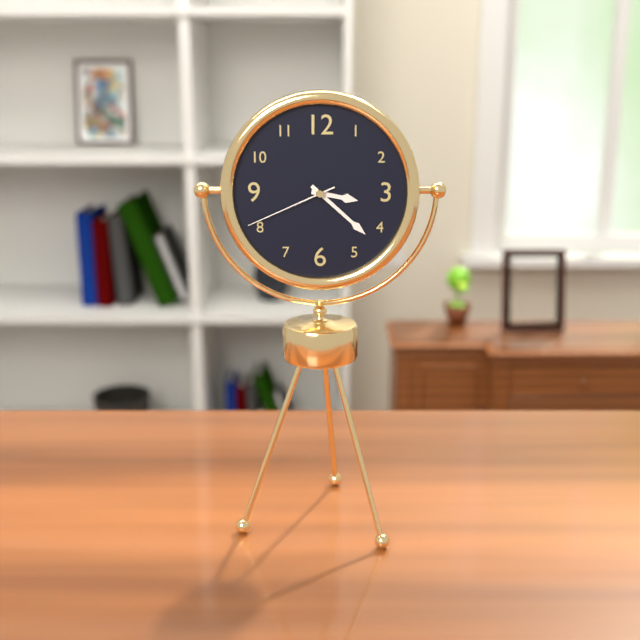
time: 3:22:41
